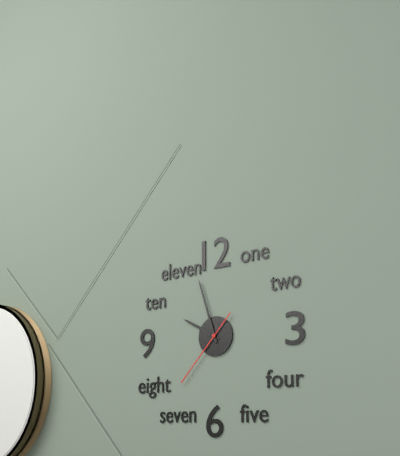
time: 9:57:37
